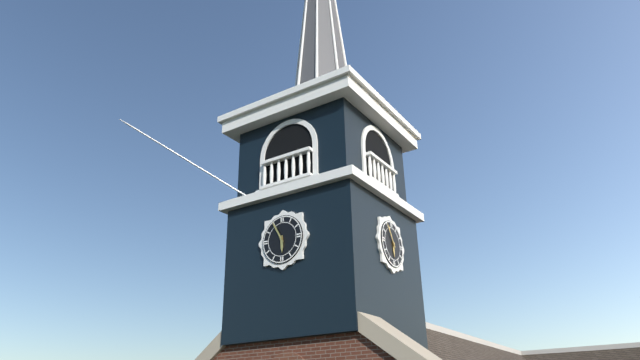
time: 5:55
